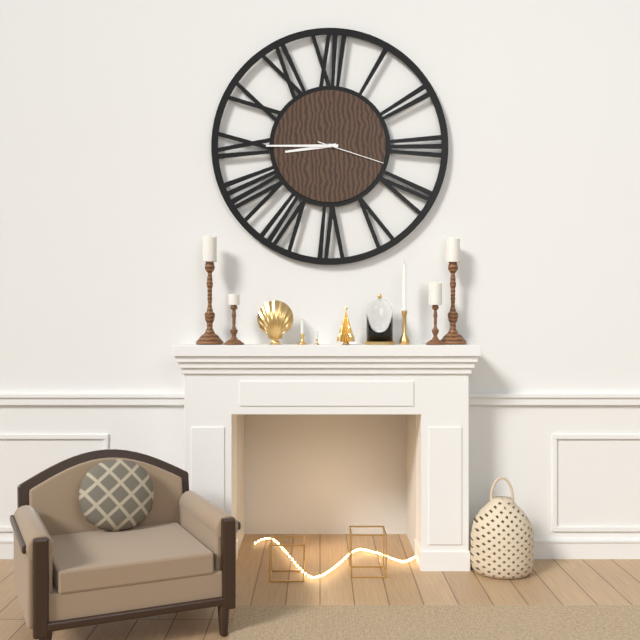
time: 8:45:18
